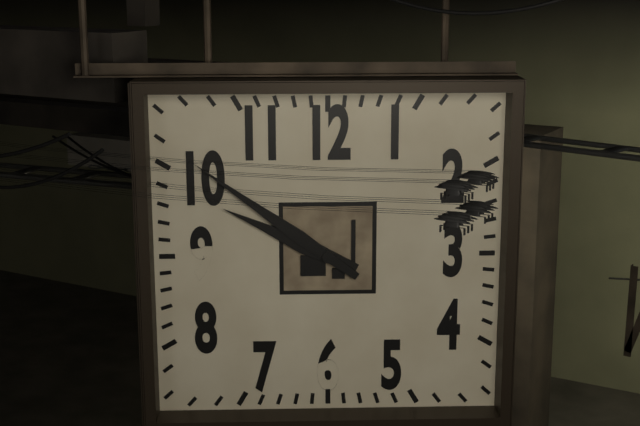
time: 9:51
